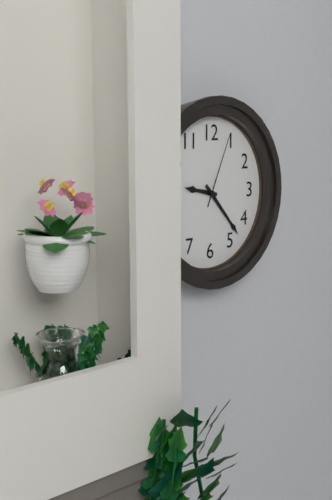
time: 9:23:04
